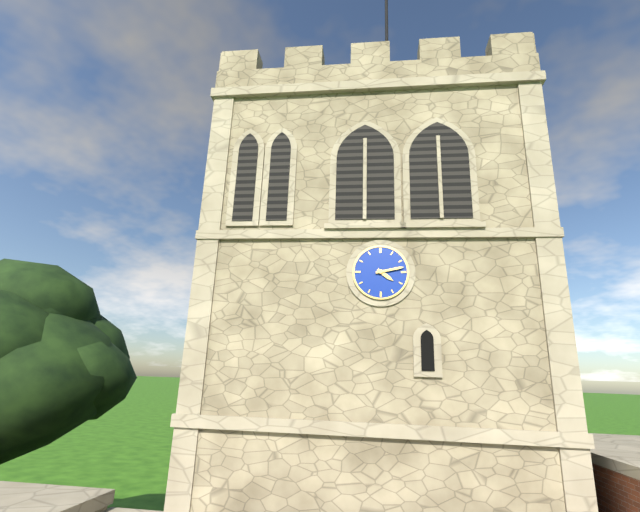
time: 4:13
